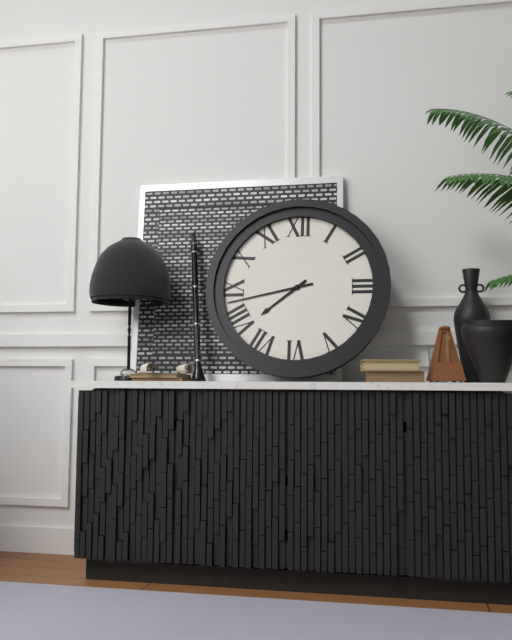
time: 7:43
